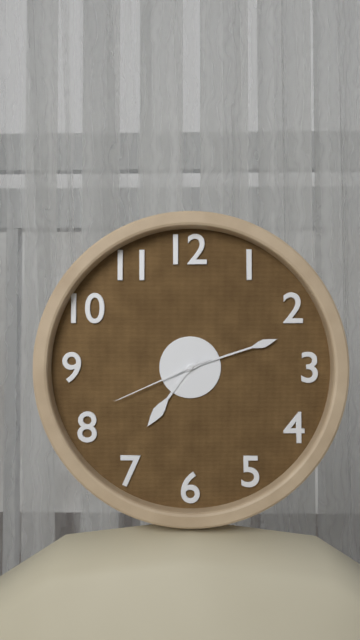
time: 7:12:41
